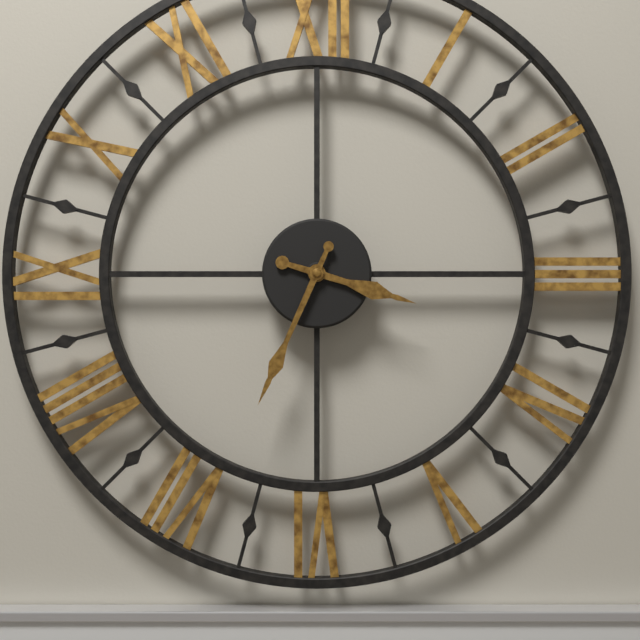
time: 3:34
